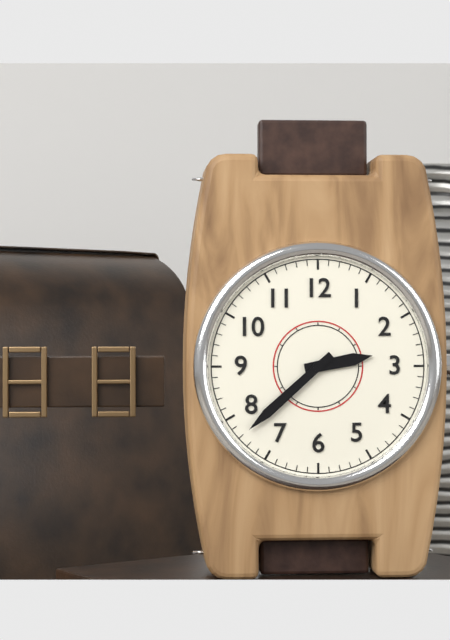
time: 2:38
